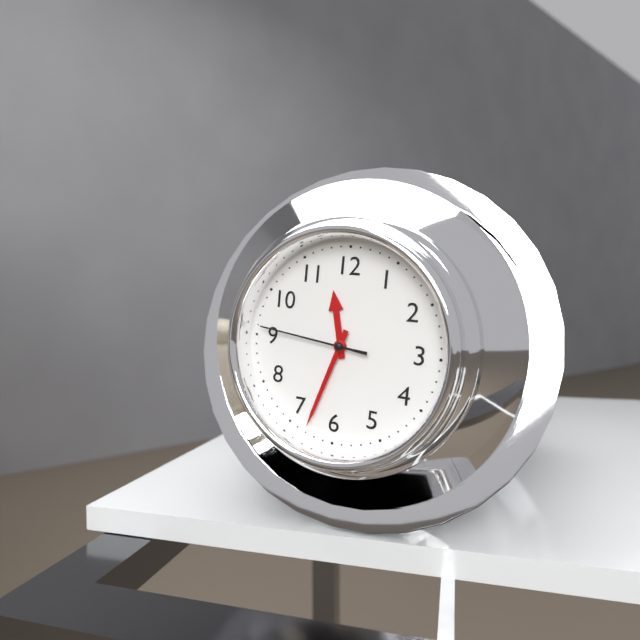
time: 11:33:46
